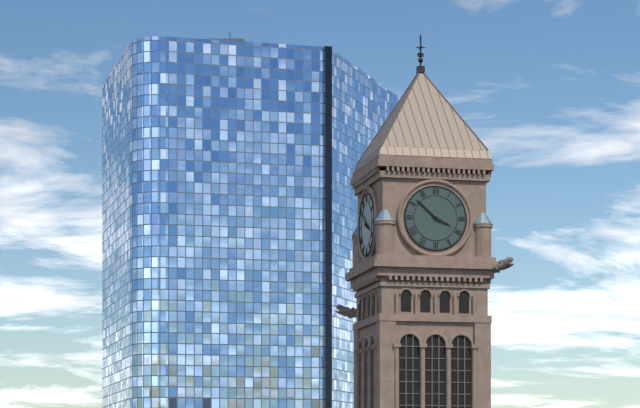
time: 3:52
